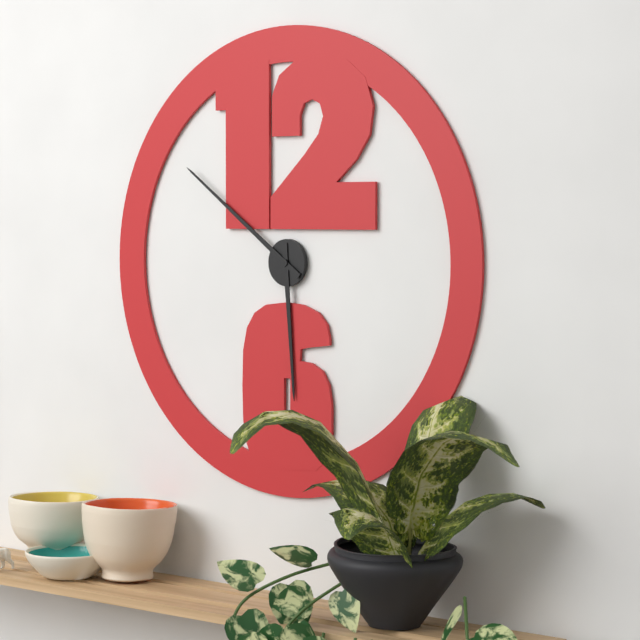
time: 5:51
